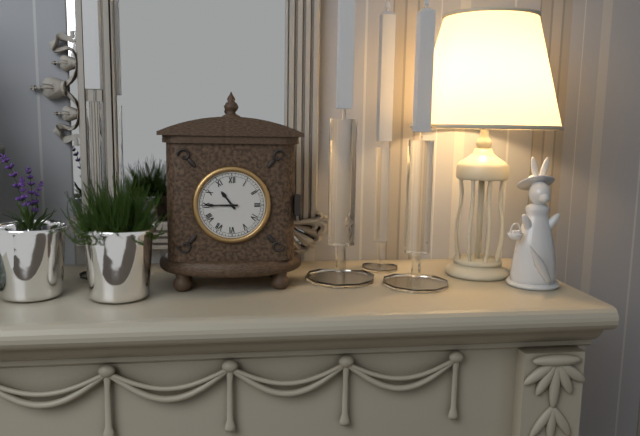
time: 10:45
